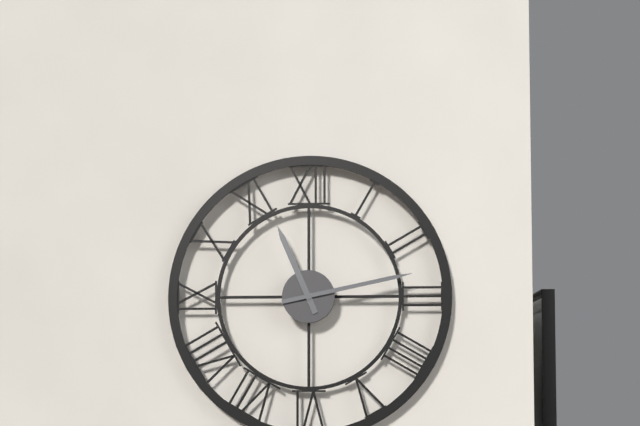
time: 11:13
